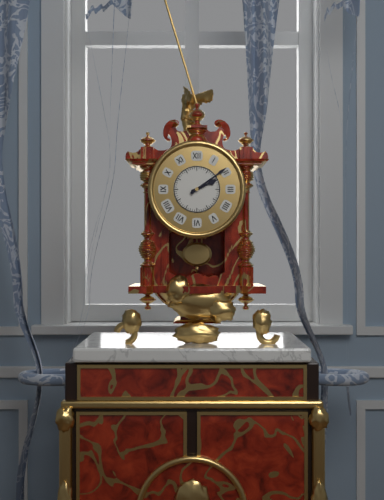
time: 2:09
